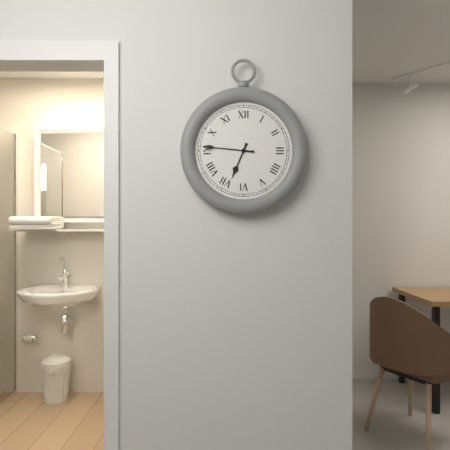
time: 6:46
